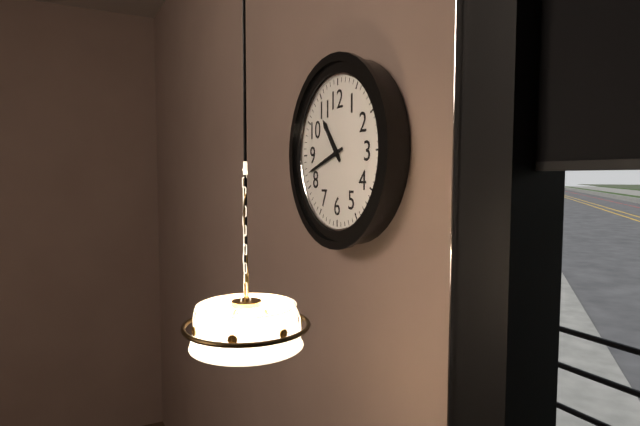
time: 10:42
